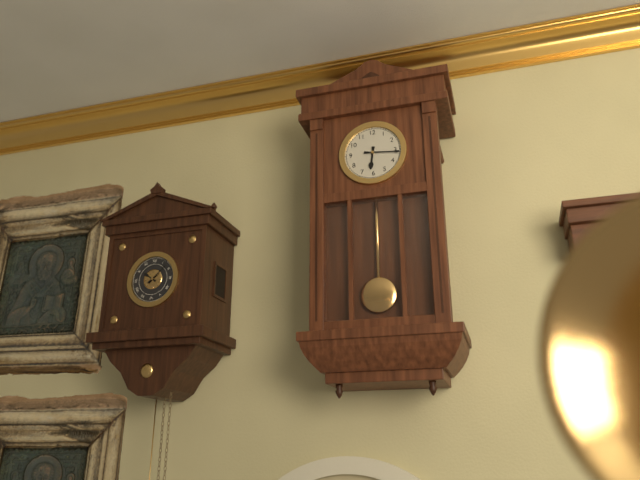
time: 6:16
